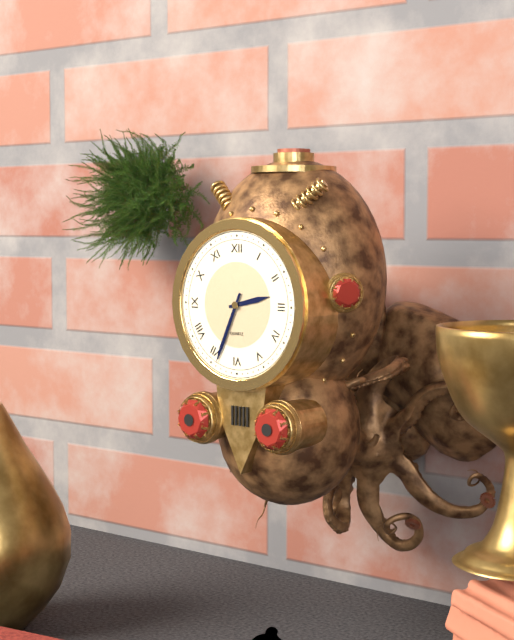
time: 2:34
